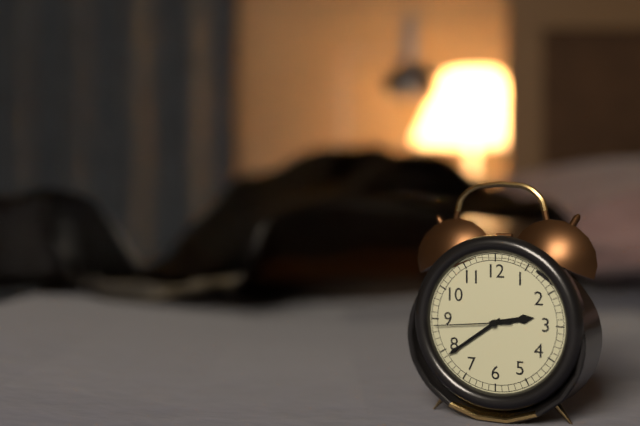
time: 2:39:44
